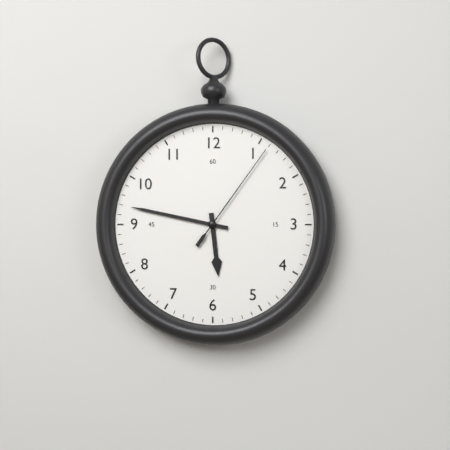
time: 5:47:06
